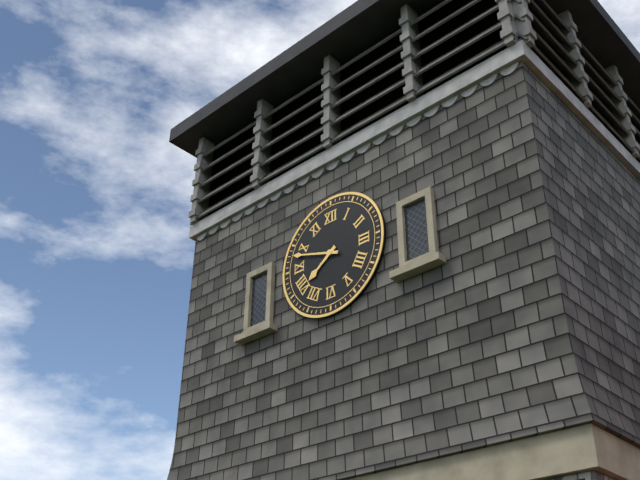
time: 7:48
